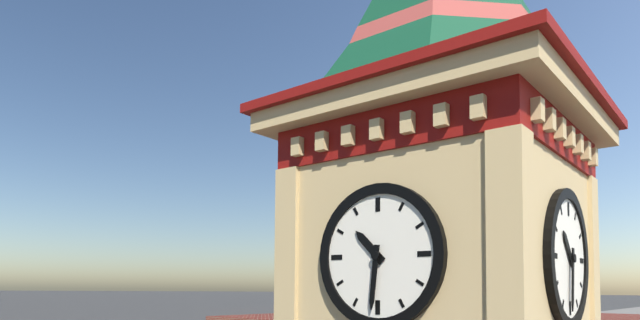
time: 10:31
